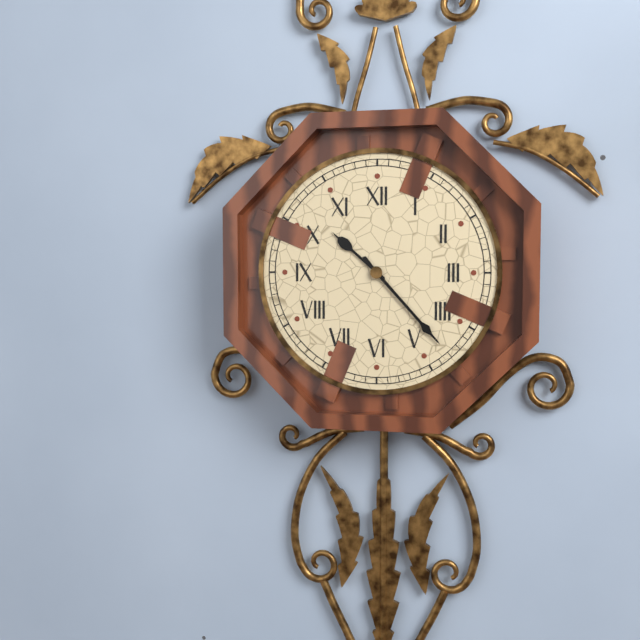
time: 10:23
